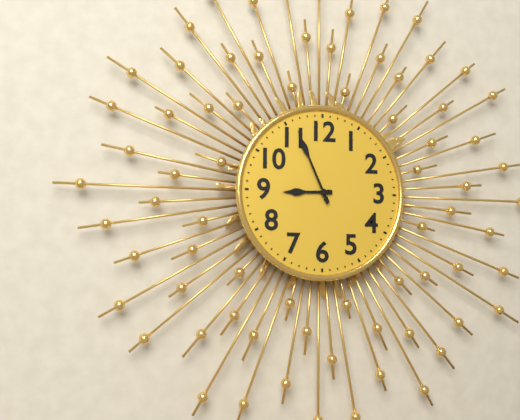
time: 8:56
